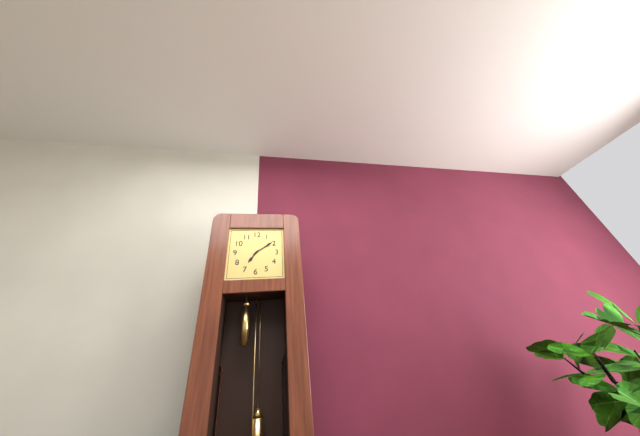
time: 7:09
